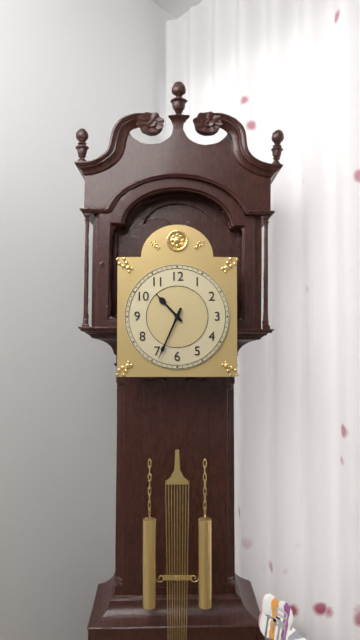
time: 10:34
